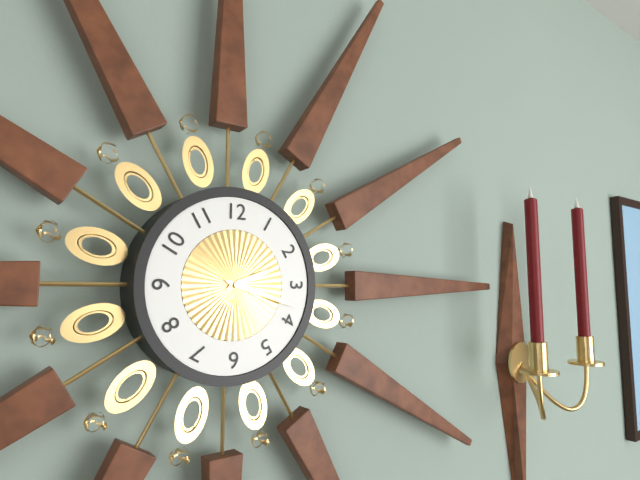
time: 2:18
